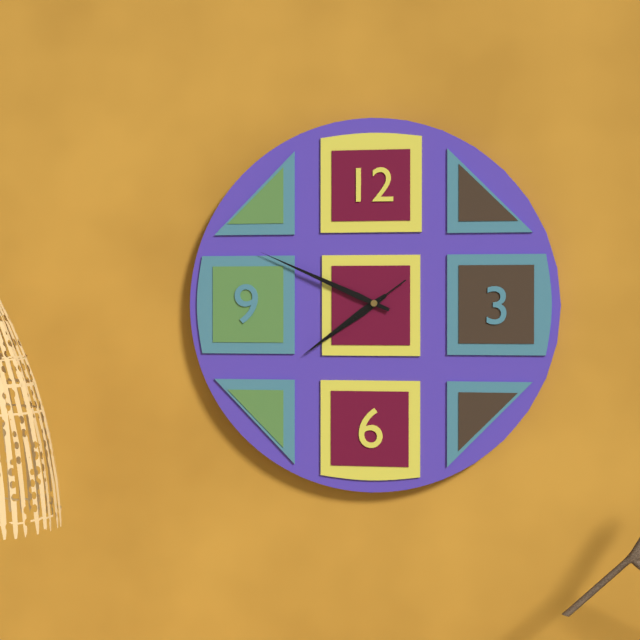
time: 7:49:39
